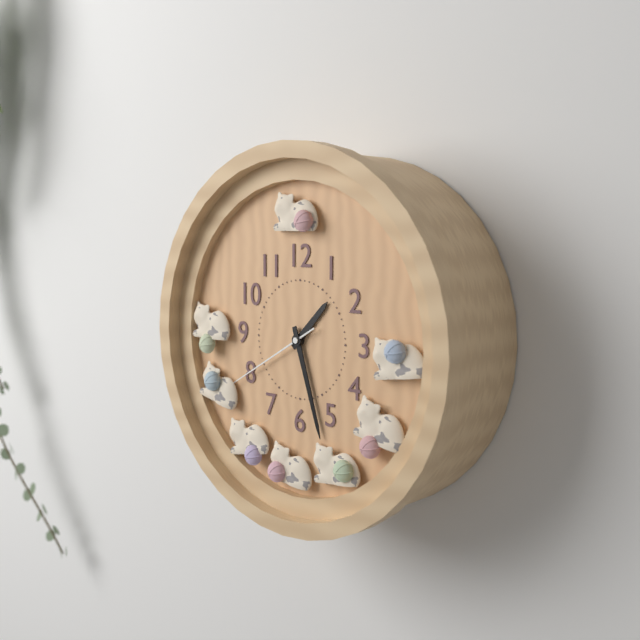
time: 1:27:40
